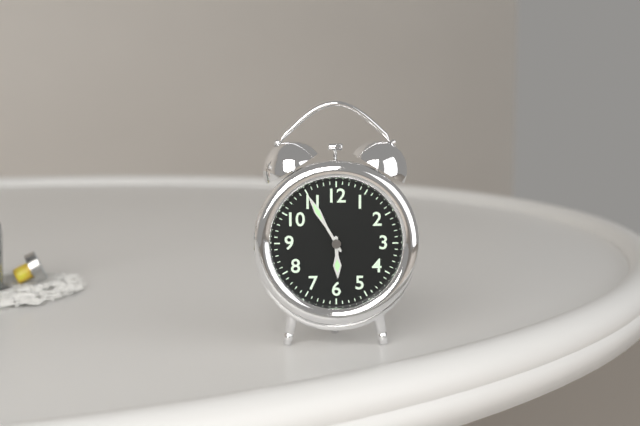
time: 5:55
